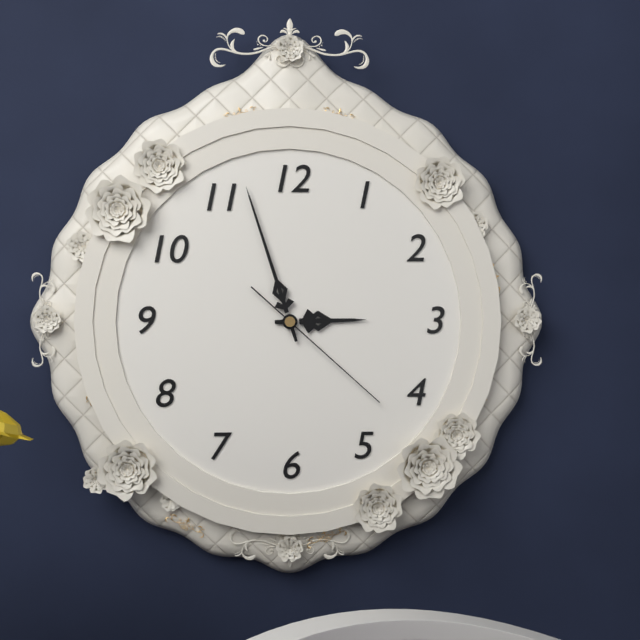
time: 2:57:22
